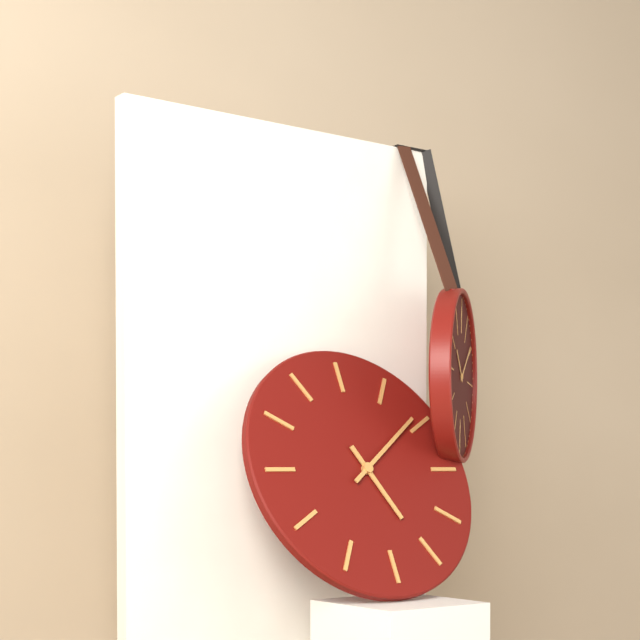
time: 5:09
